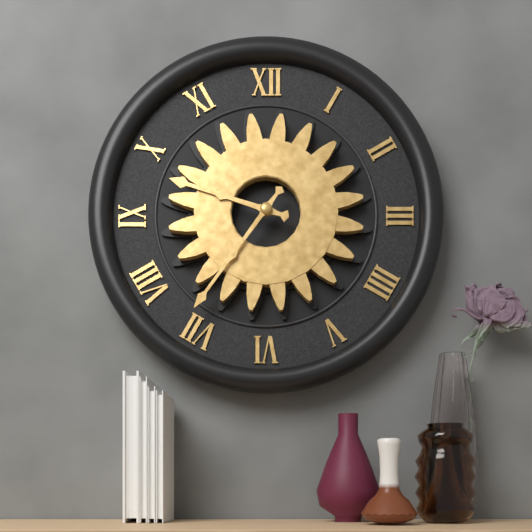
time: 9:36
